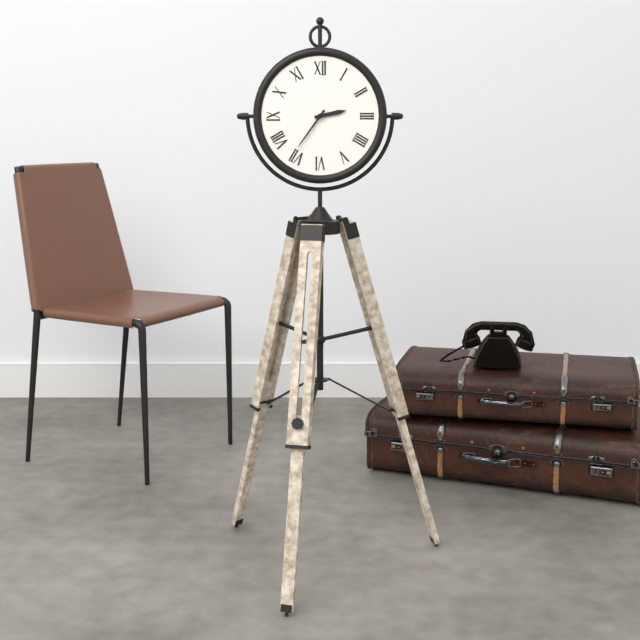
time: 2:36
